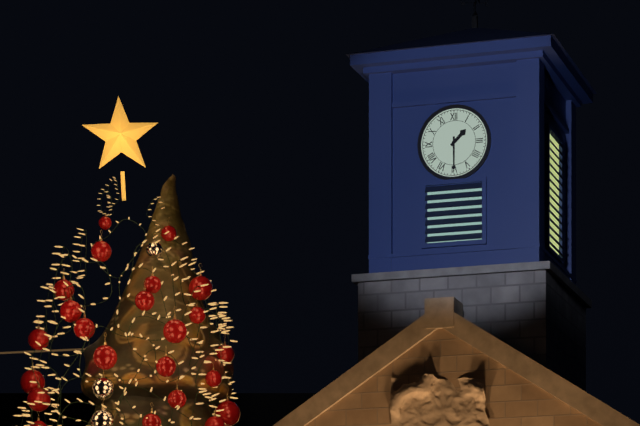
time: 1:30
